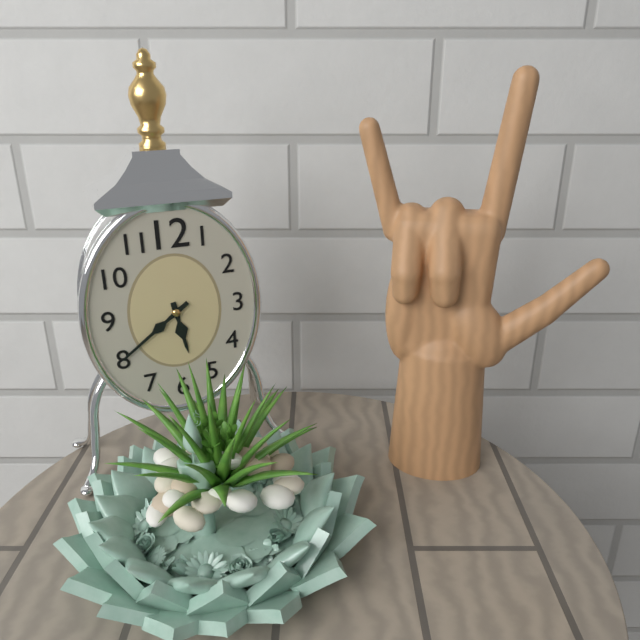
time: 5:39
